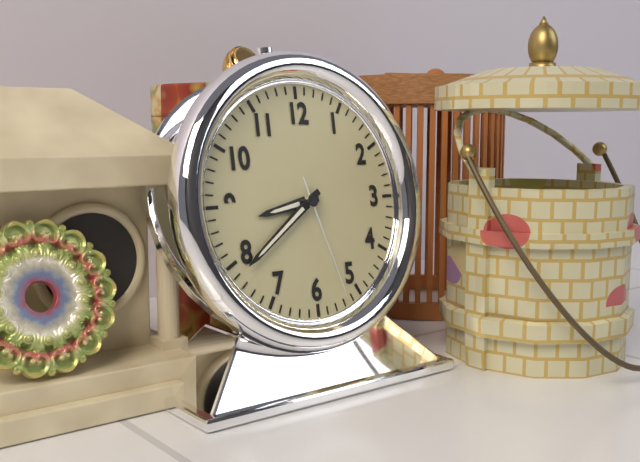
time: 8:39:27
